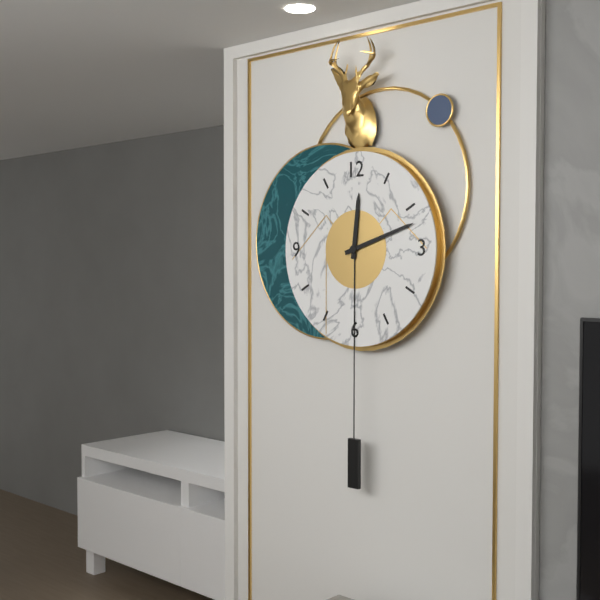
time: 12:12
